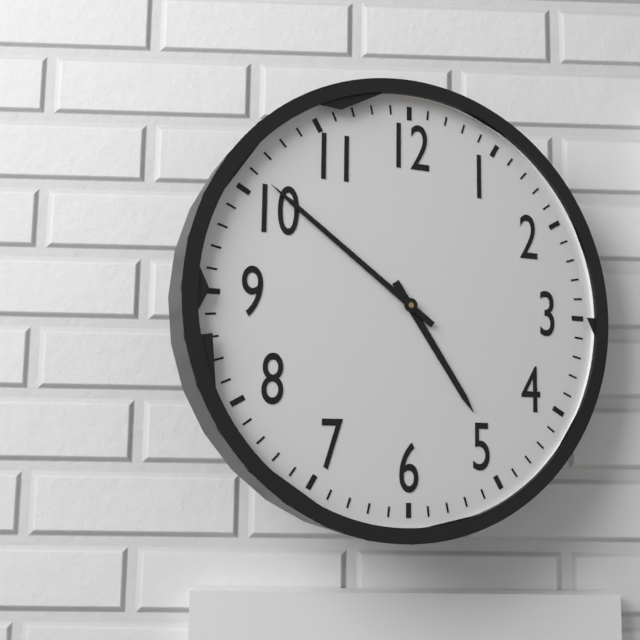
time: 4:51
